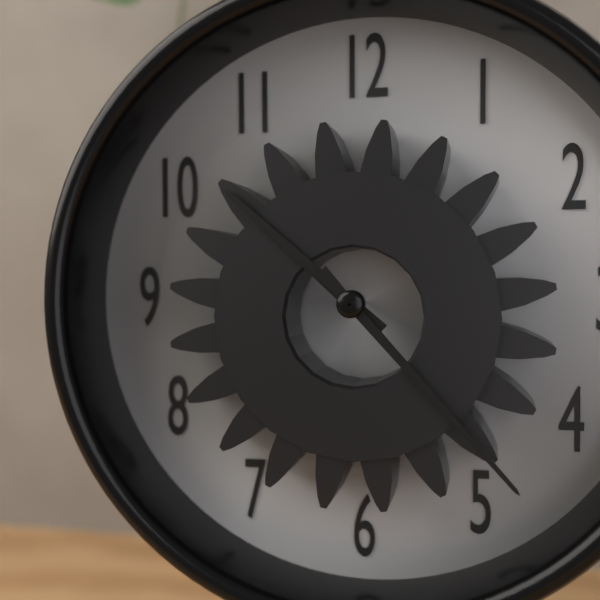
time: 10:23
